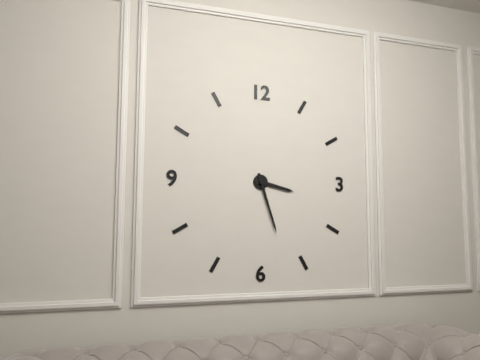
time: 3:27
